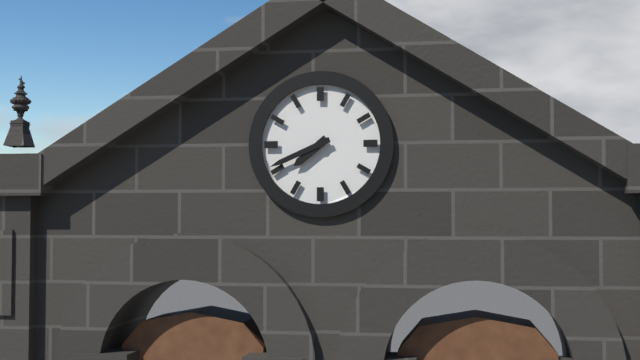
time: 7:41
